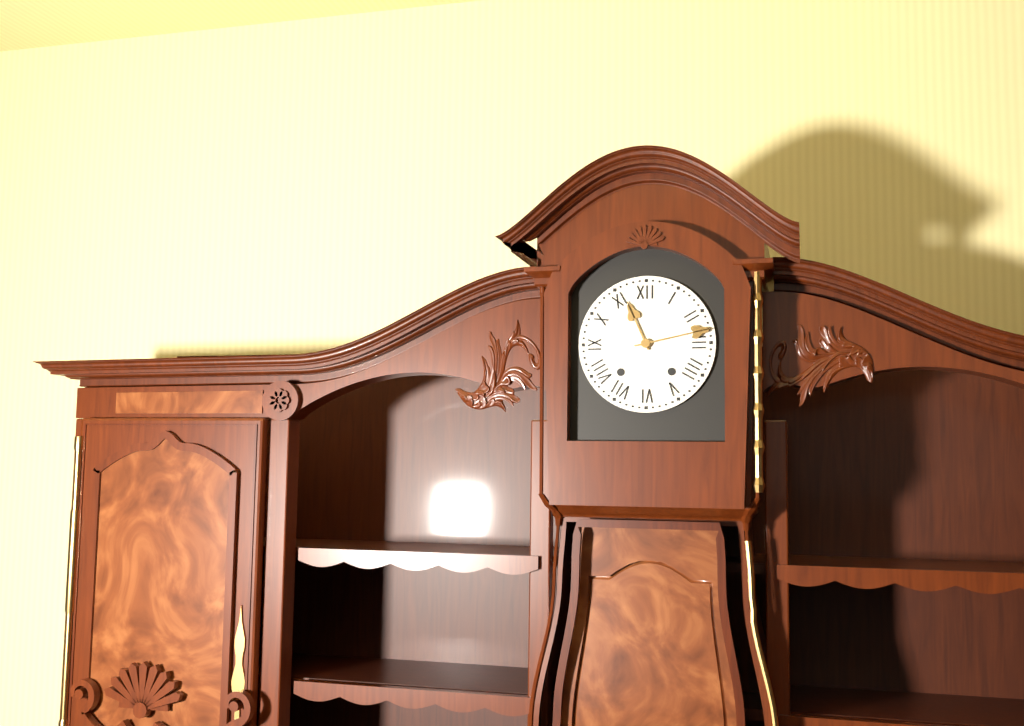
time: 11:13
